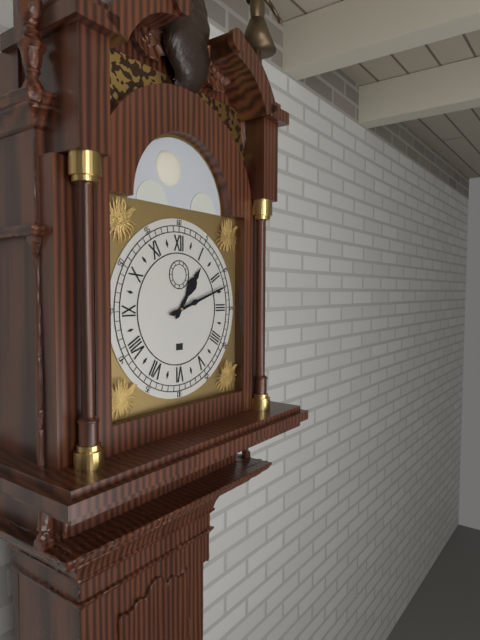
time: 1:12
